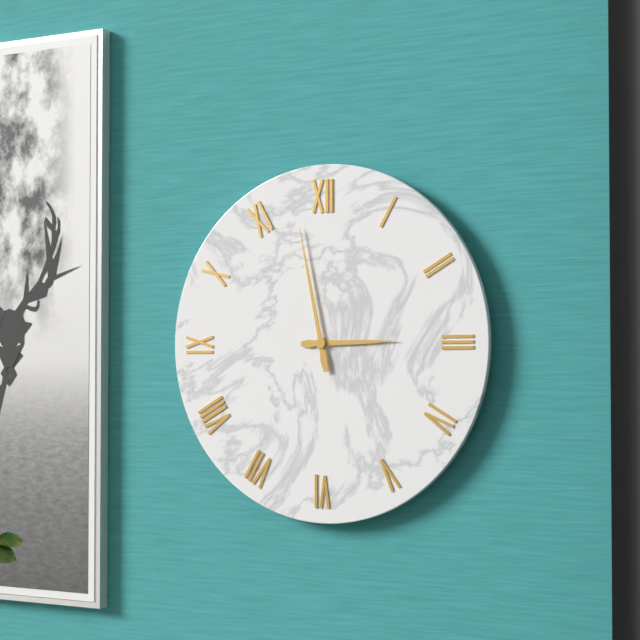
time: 2:58
